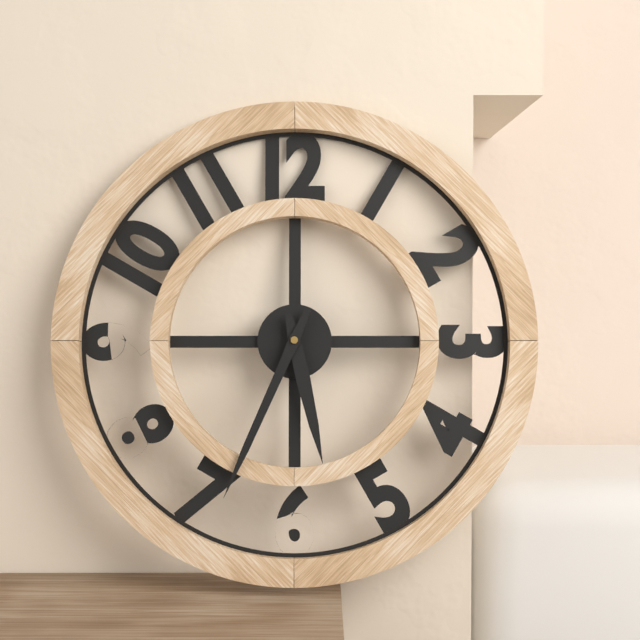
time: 5:34
